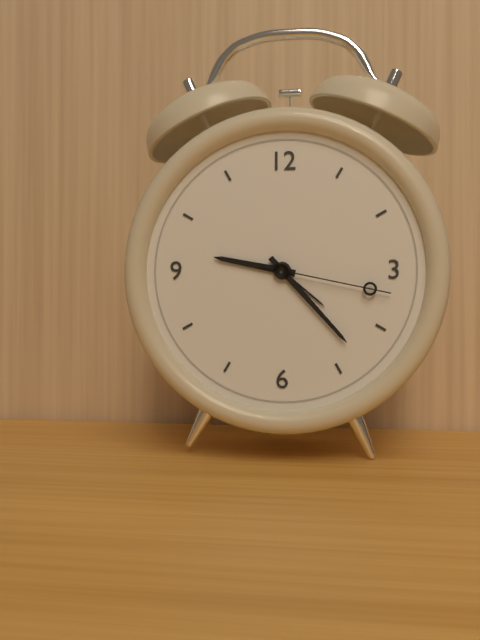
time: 9:23:17
